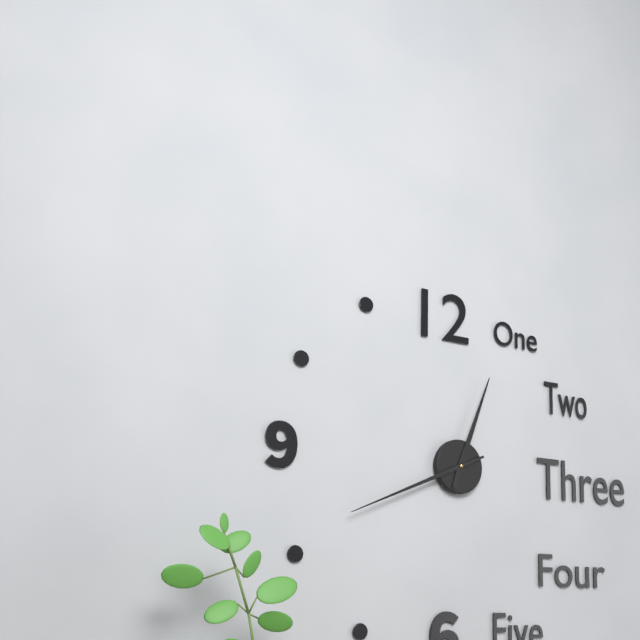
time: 12:41
